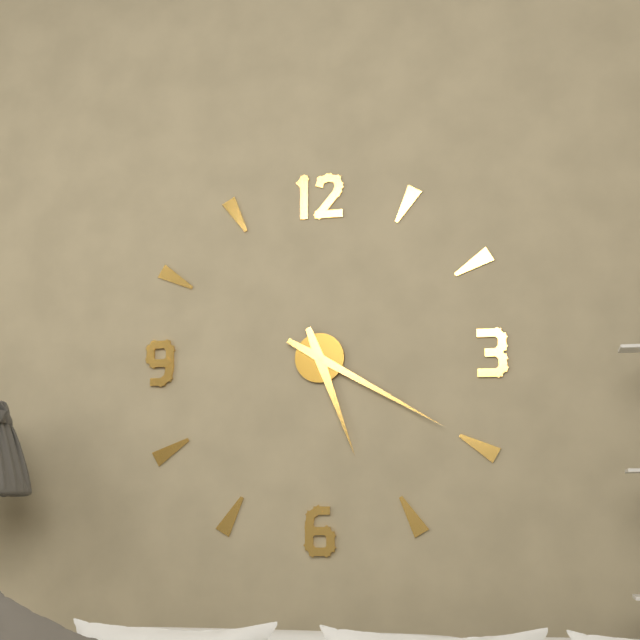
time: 5:20
